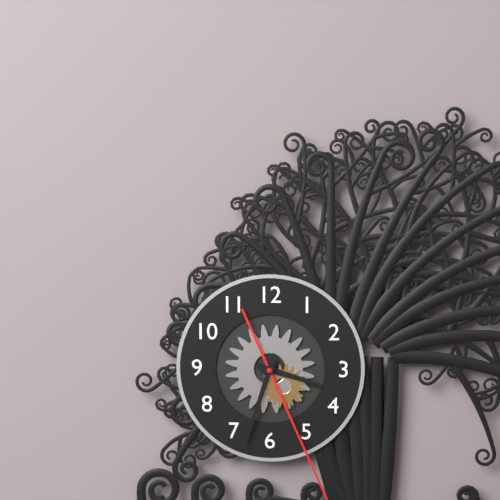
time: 3:33
